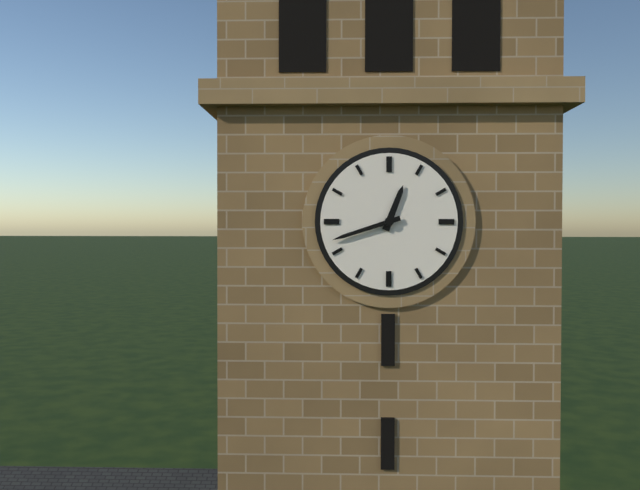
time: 12:42
